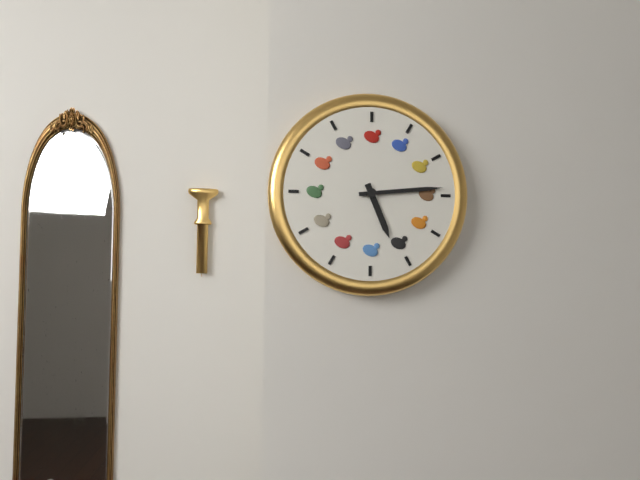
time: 5:14
